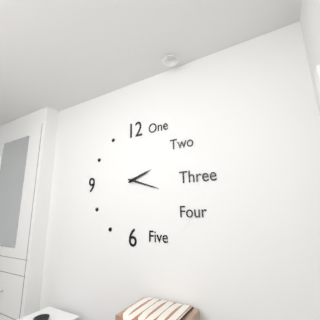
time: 2:18
